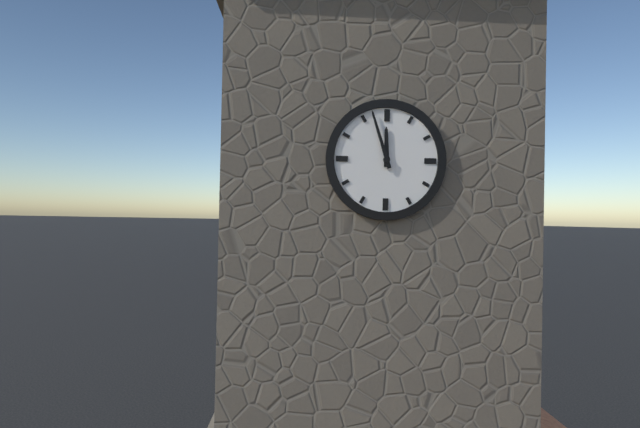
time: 11:57
